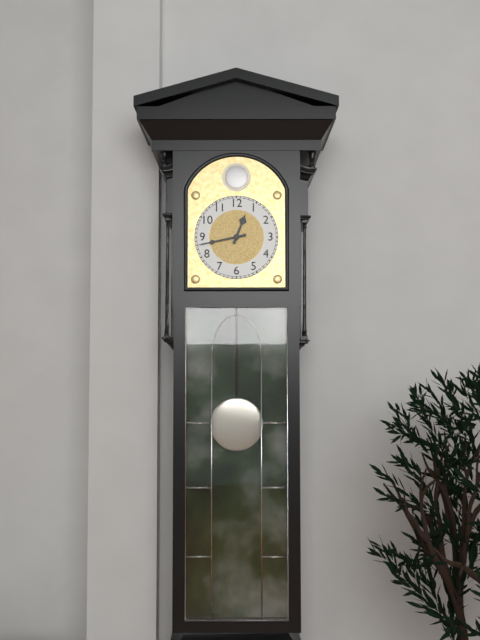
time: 12:43
